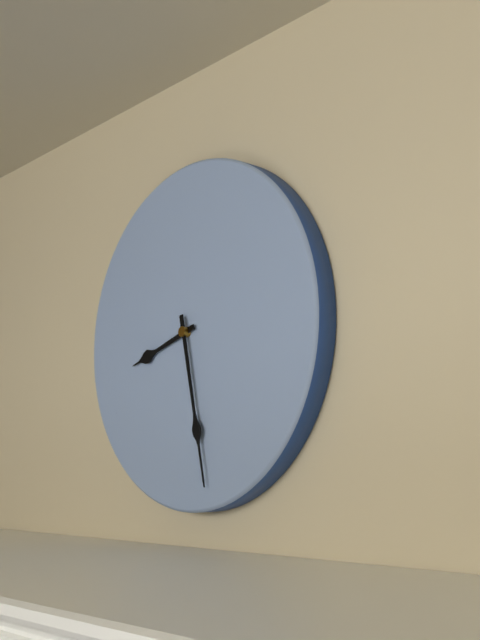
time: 8:28
